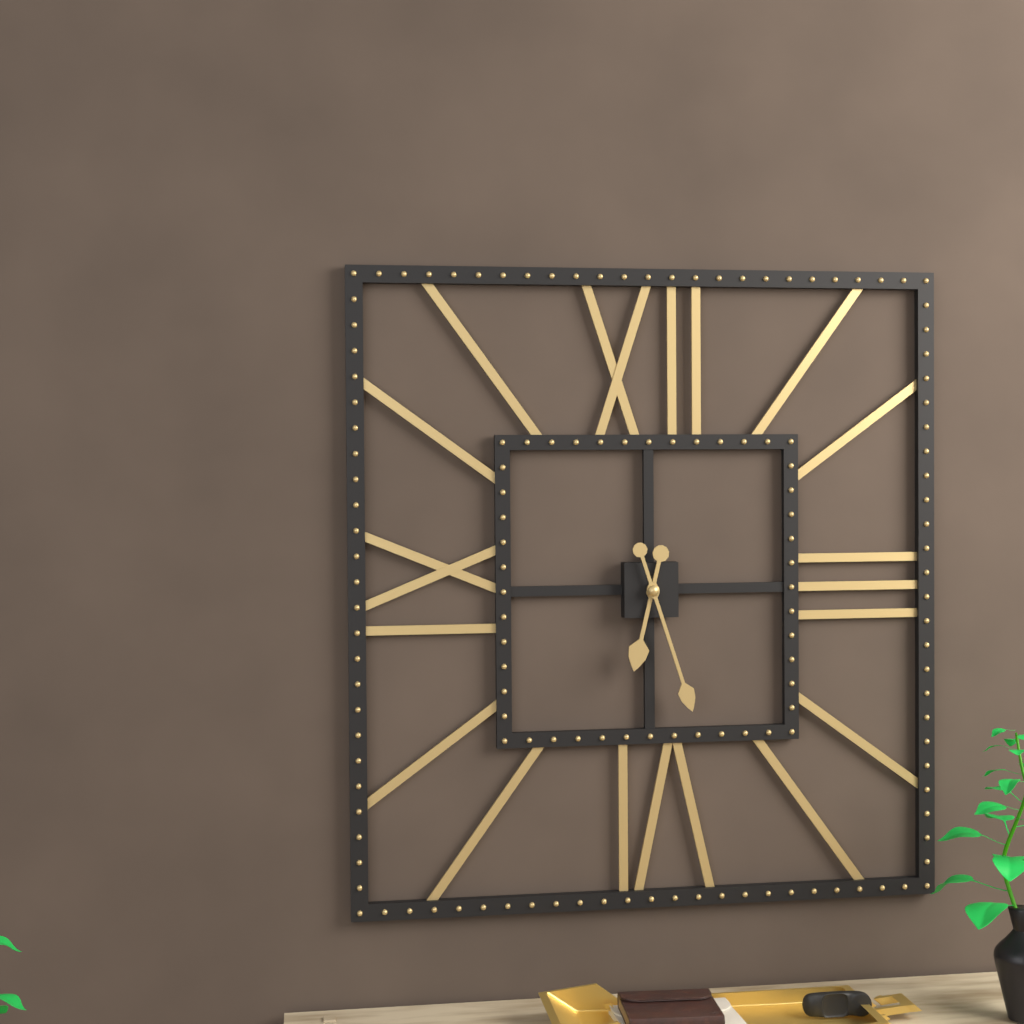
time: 6:27
